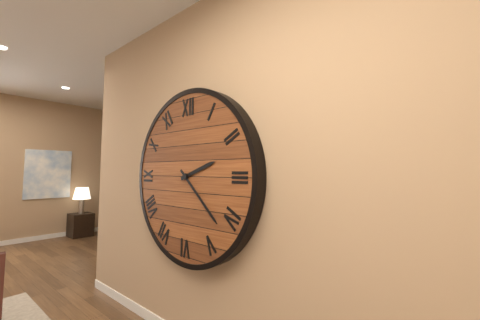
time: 2:22
